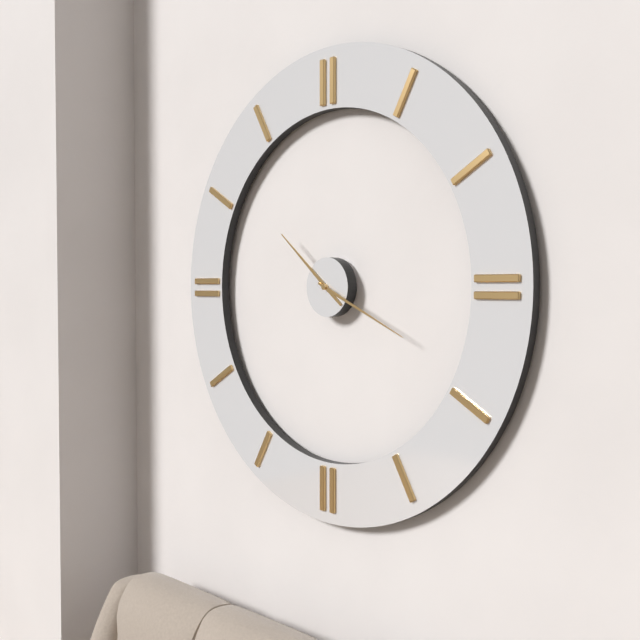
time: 10:19
